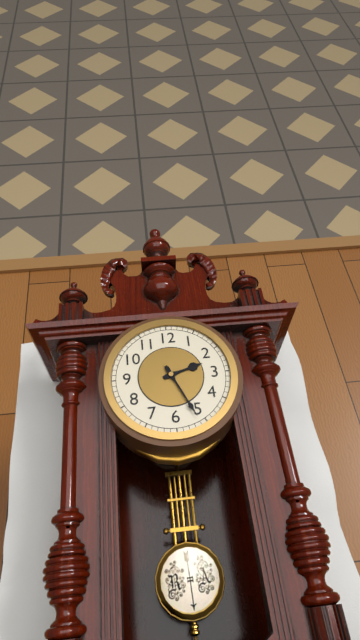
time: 2:26
